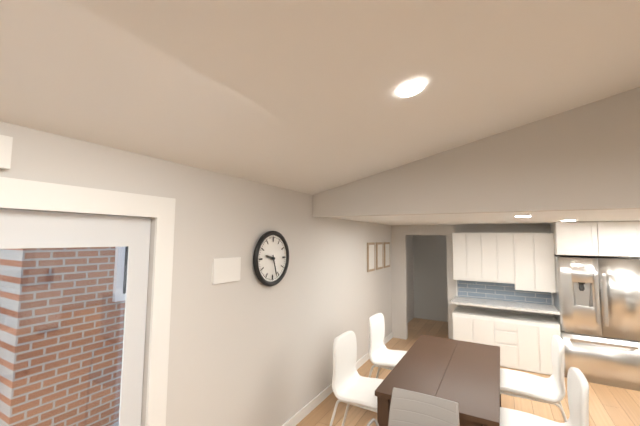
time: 9:27
